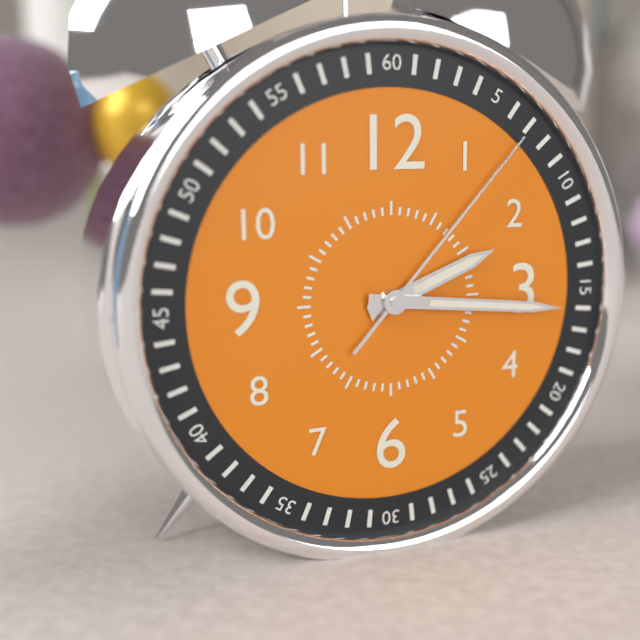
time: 2:16:07
